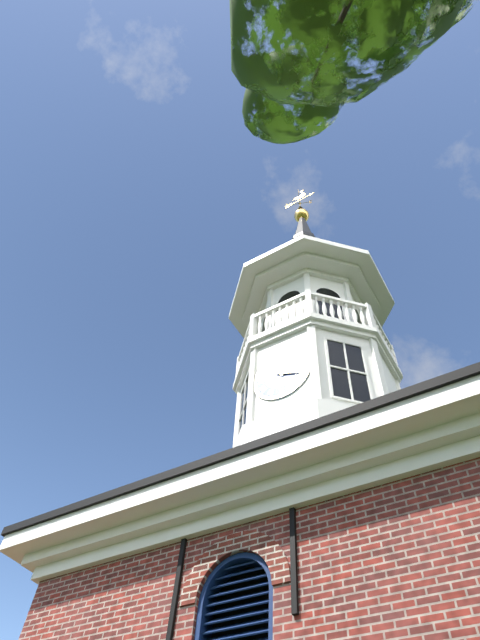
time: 11:19
